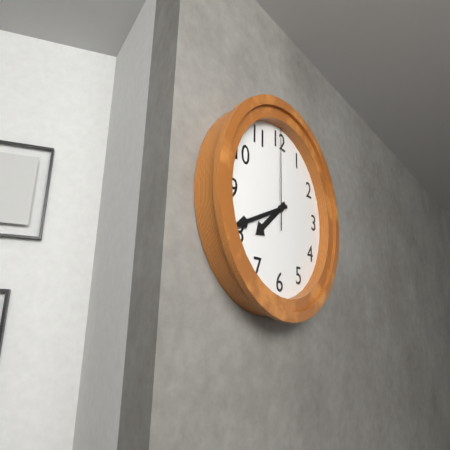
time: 7:41:00
